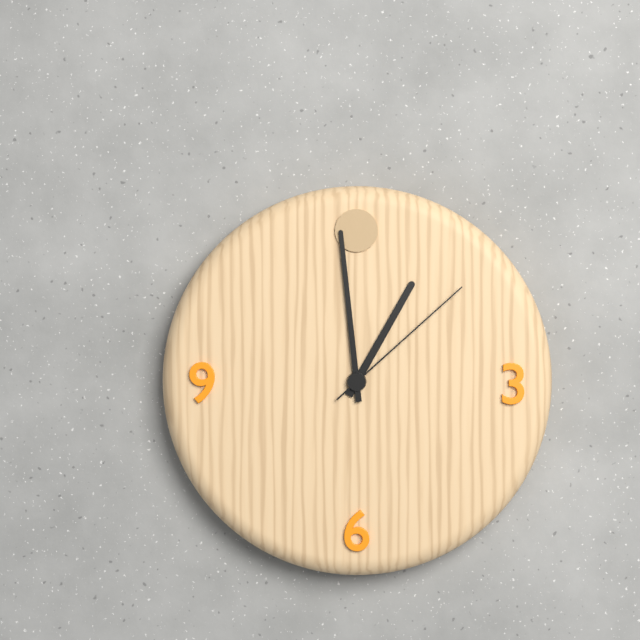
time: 12:59:08
